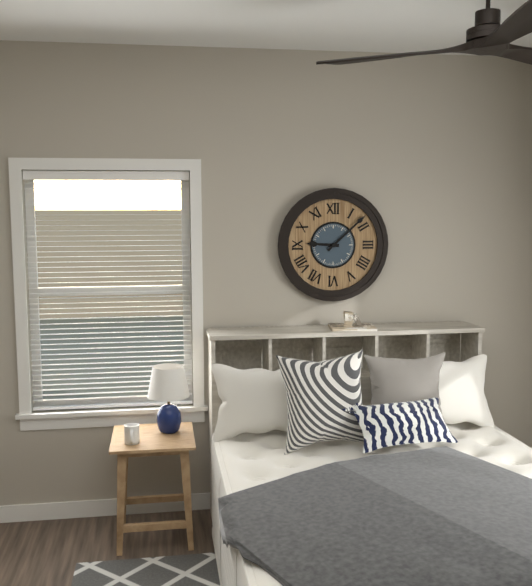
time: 9:08
